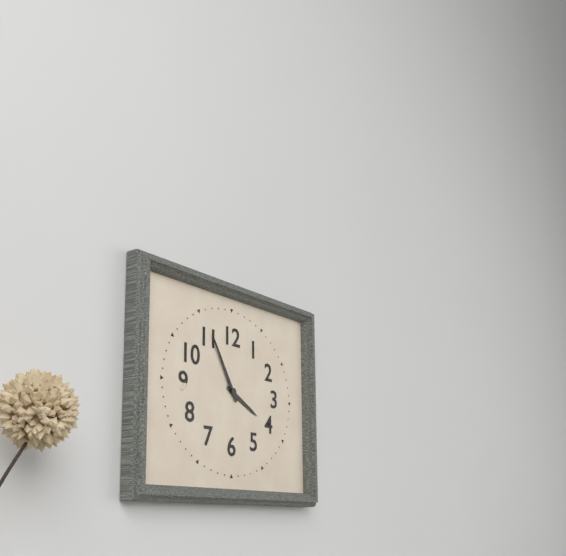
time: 3:55
